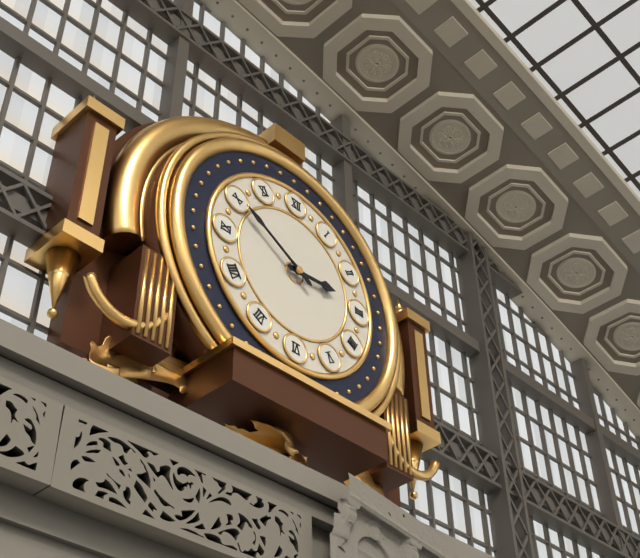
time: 2:50
